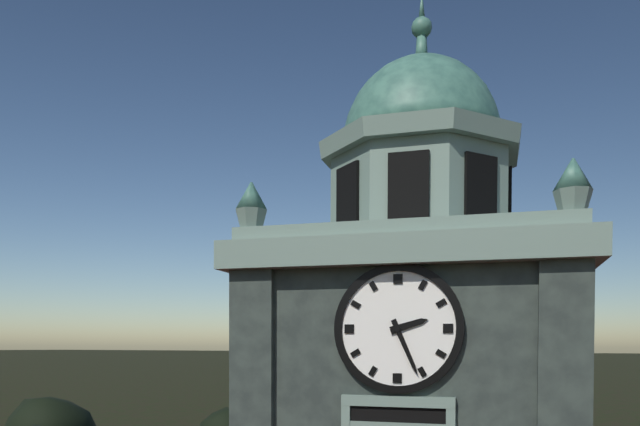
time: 2:26
